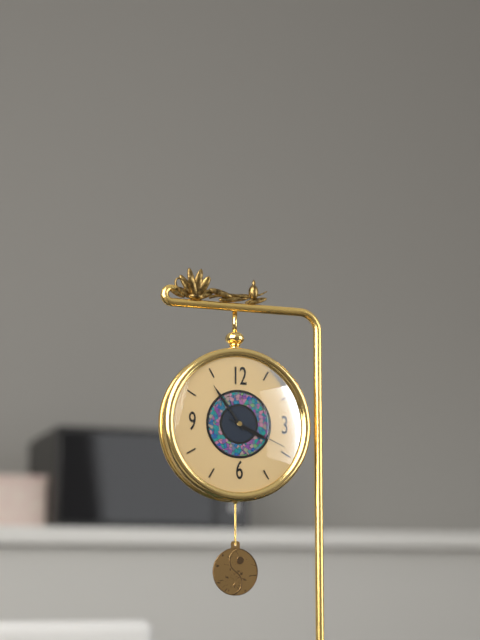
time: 3:54:19
